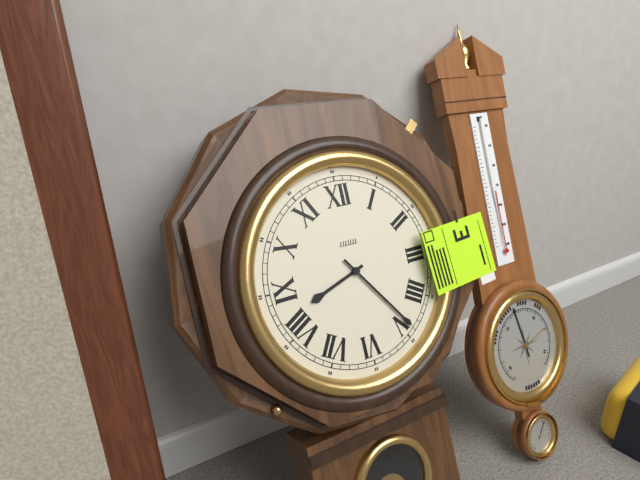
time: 8:24
